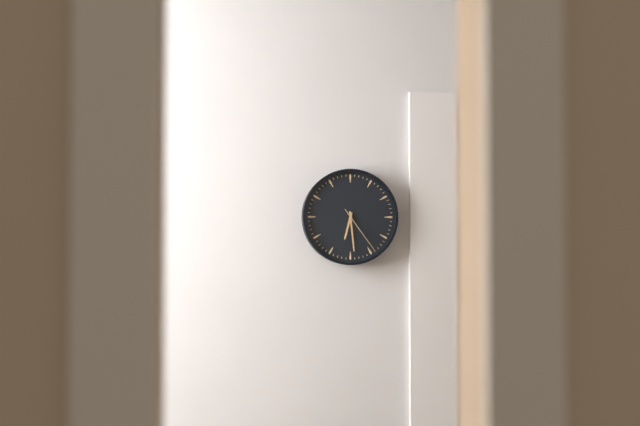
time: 6:29
